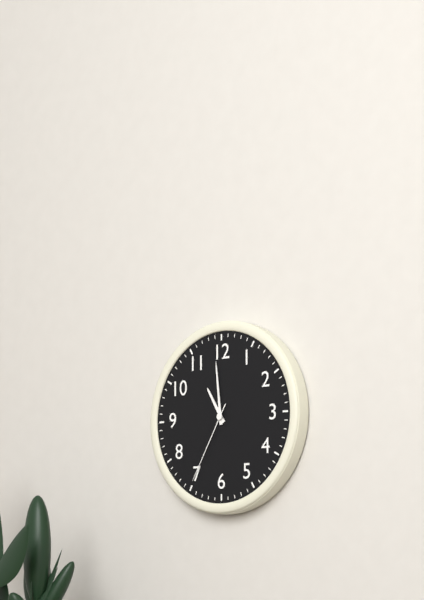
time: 10:59:35
